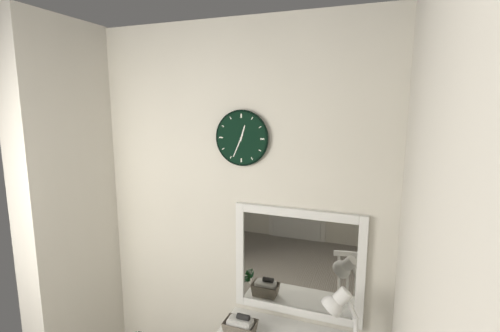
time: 12:34
